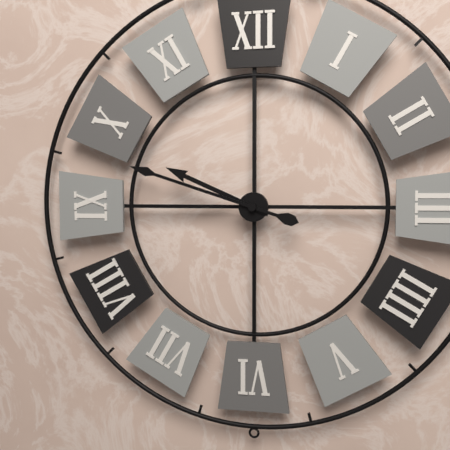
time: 9:48
